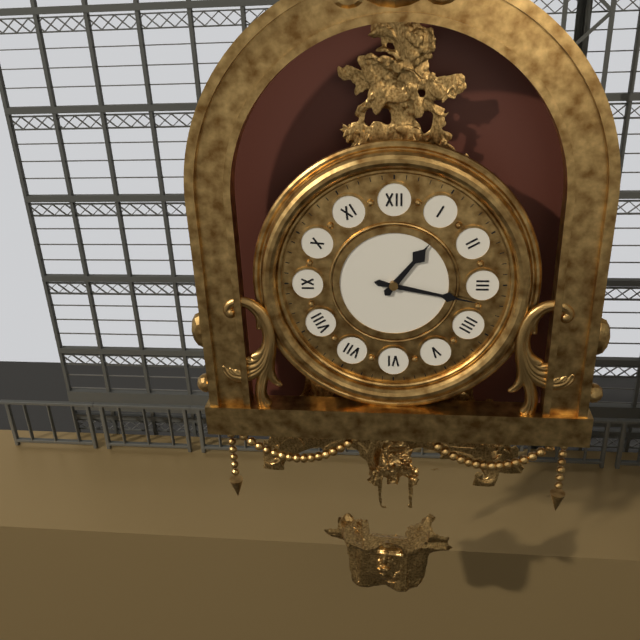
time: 1:17
